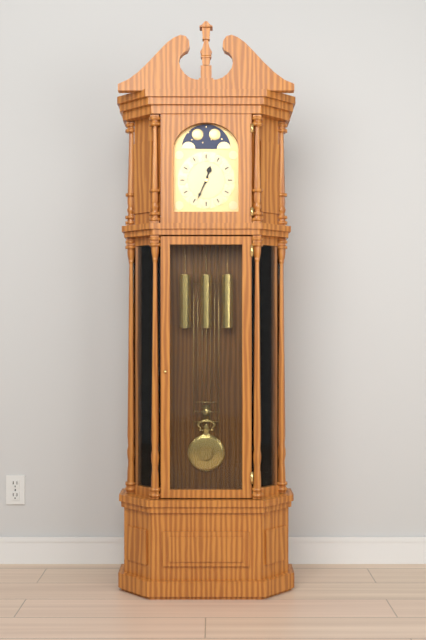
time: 12:34
